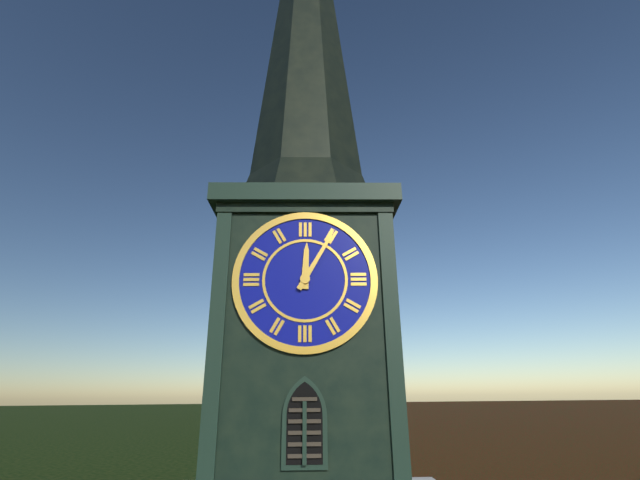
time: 12:05
